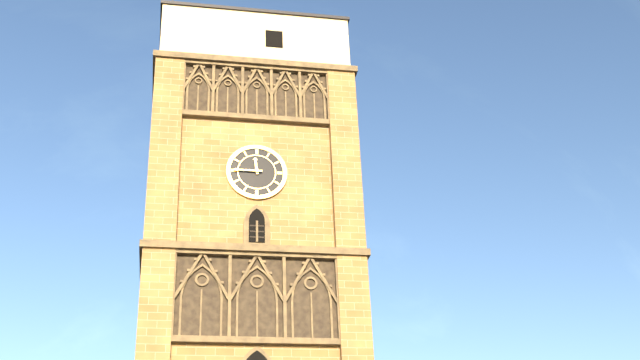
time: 11:45
